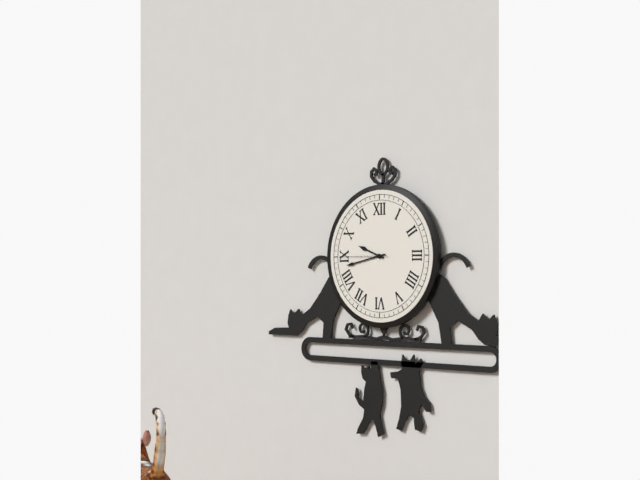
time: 9:43:45
